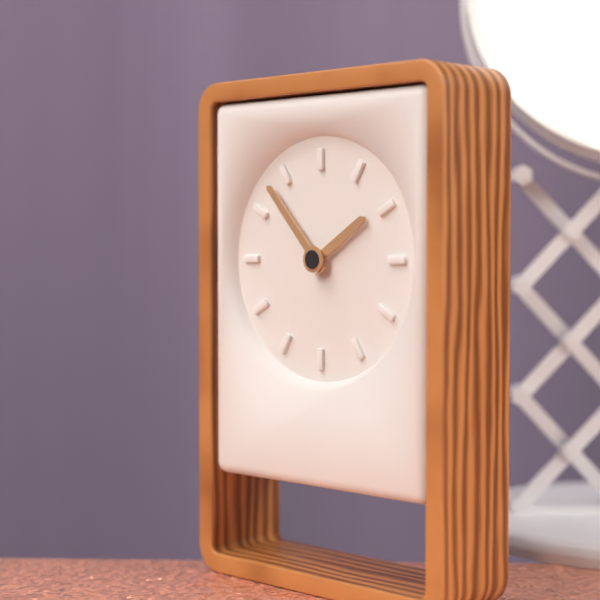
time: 1:53
